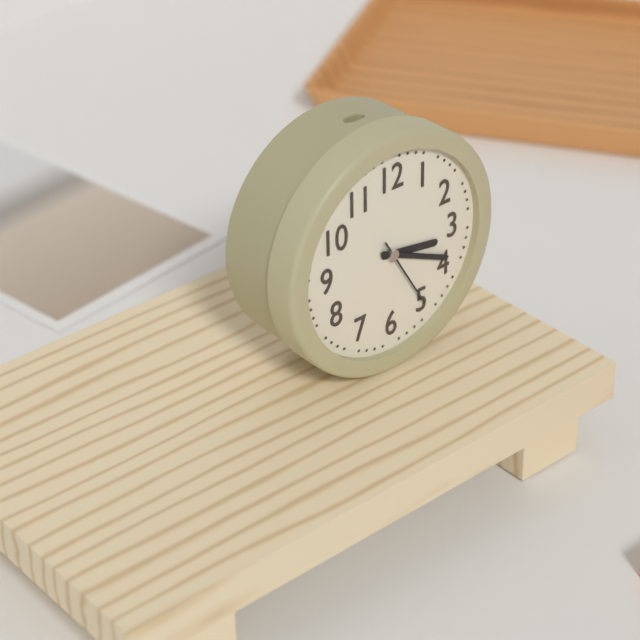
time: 3:19:25
